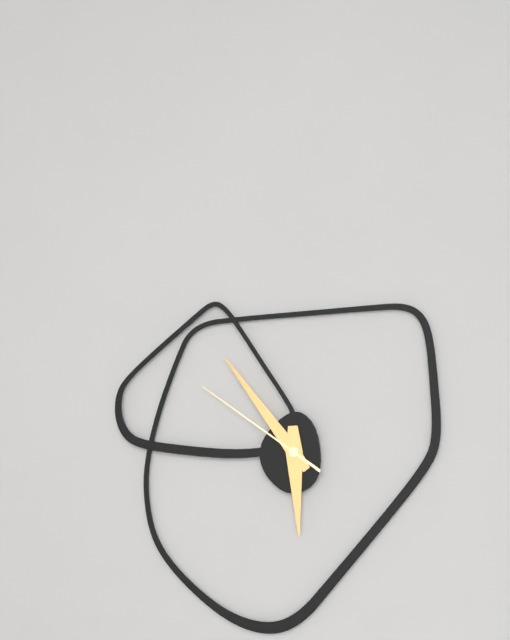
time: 5:54:51
